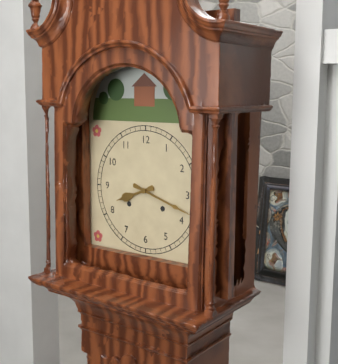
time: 8:18
